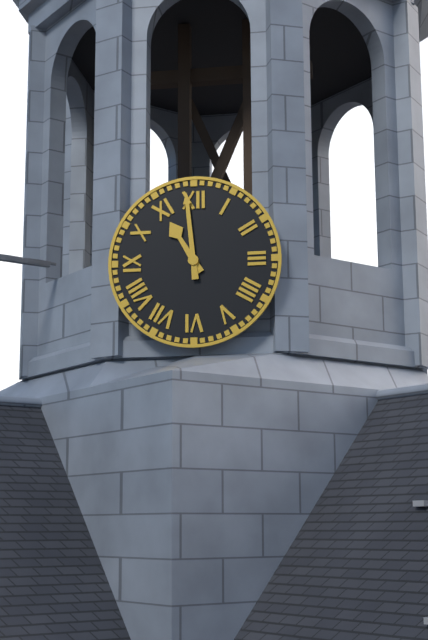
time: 10:59
